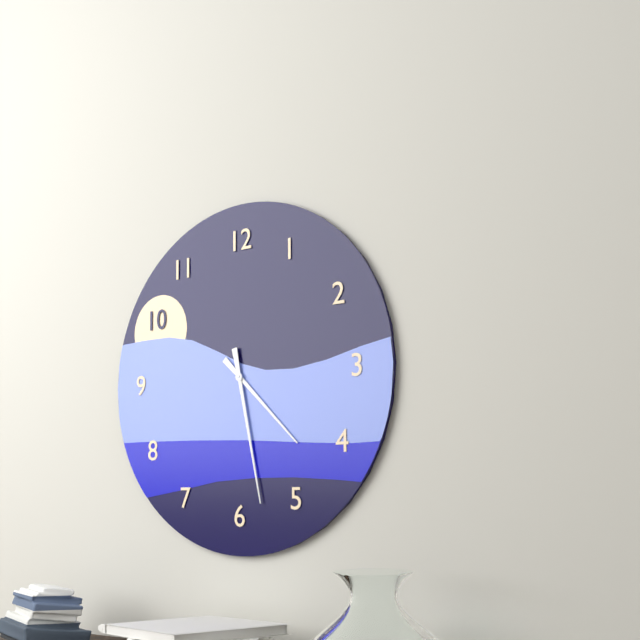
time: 4:28
